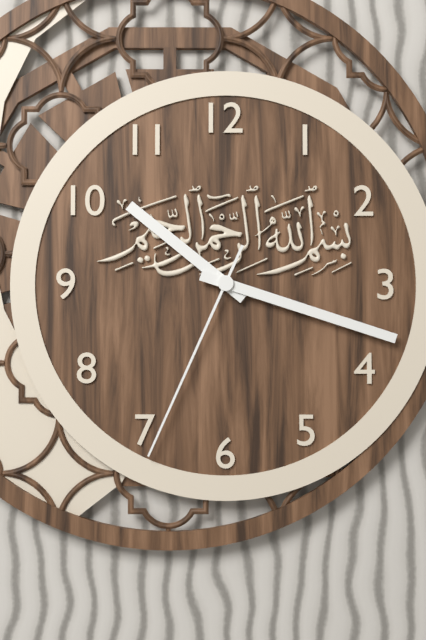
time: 10:18:34
